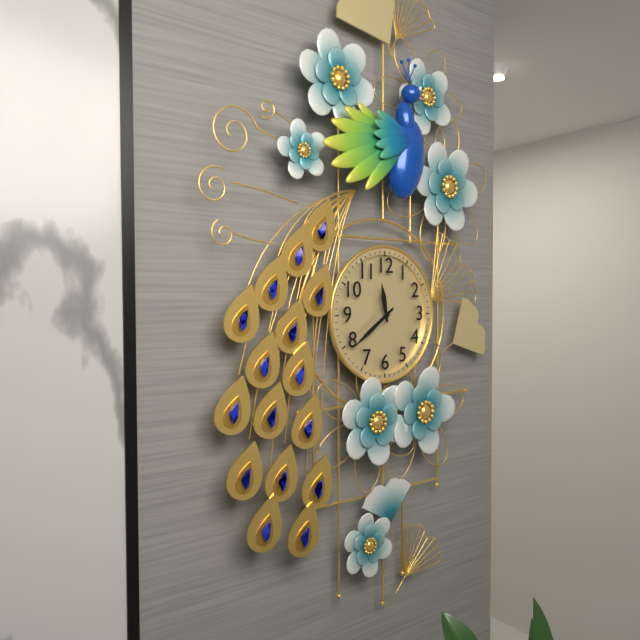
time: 11:39
